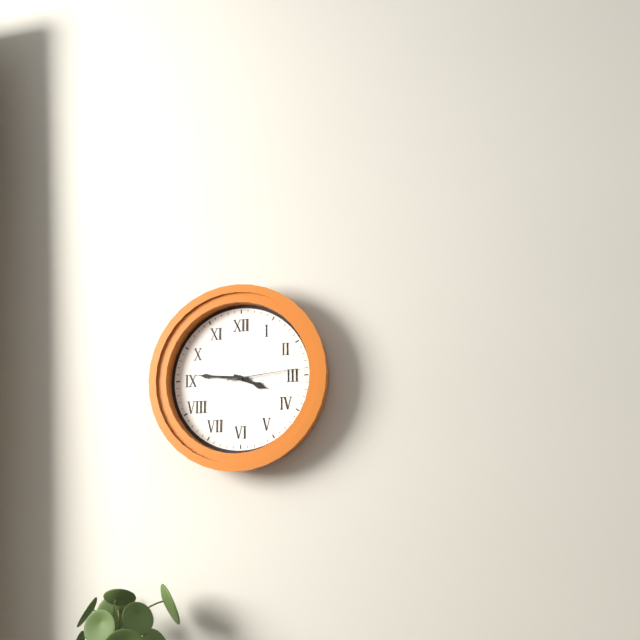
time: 3:46:14
